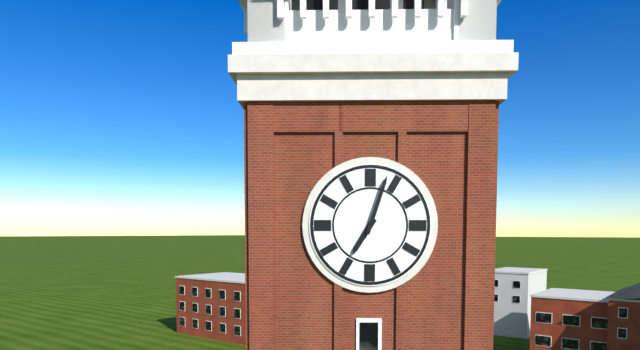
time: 7:03
